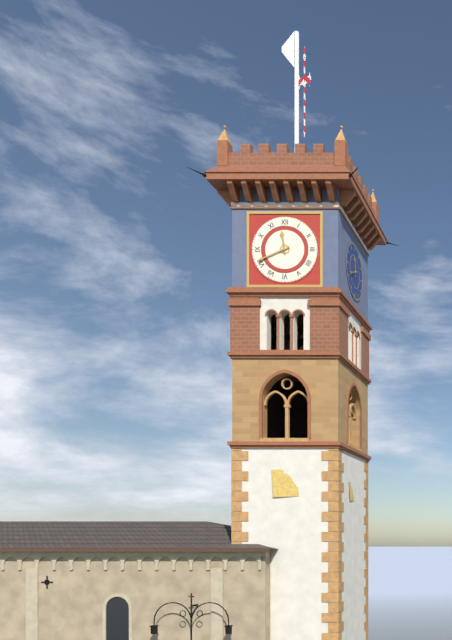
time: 11:41
